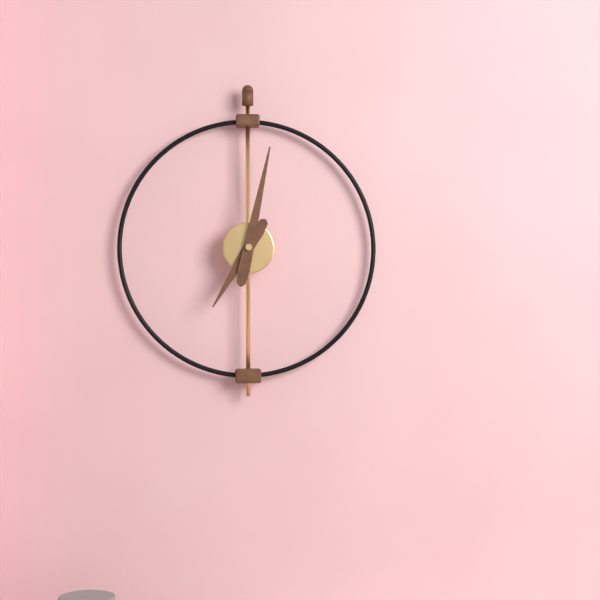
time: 7:02
